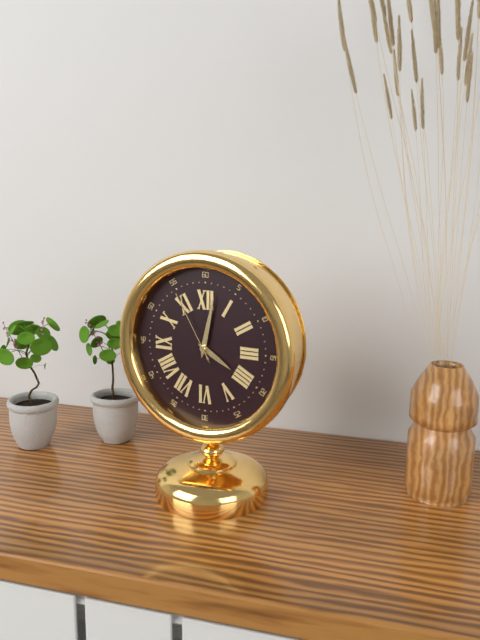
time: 4:02:55
